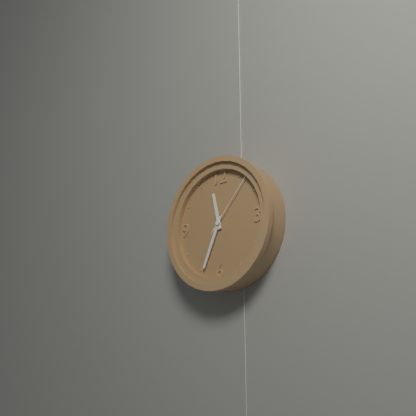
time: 11:34:07
